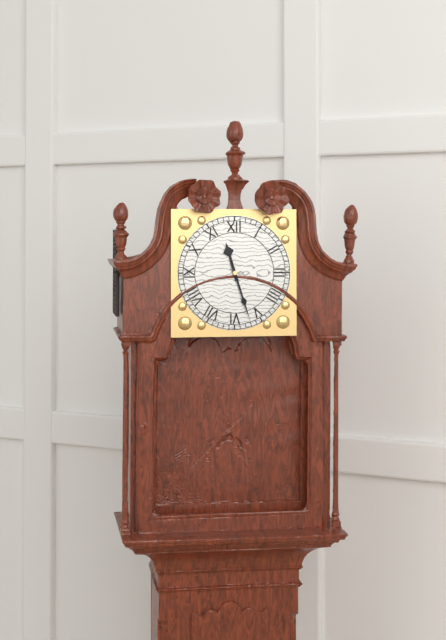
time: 11:27
